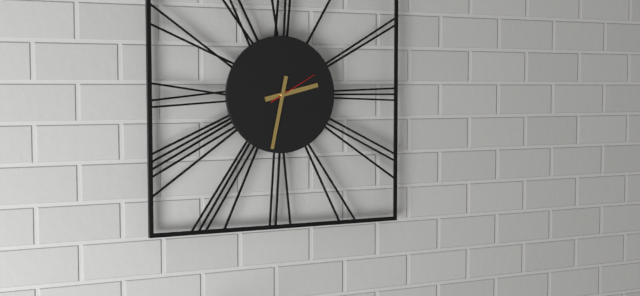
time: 2:32
